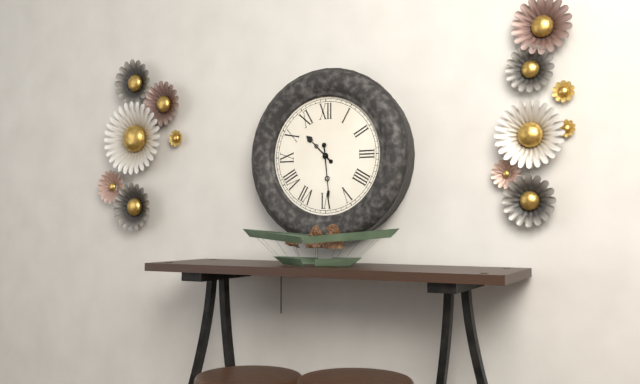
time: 10:29
